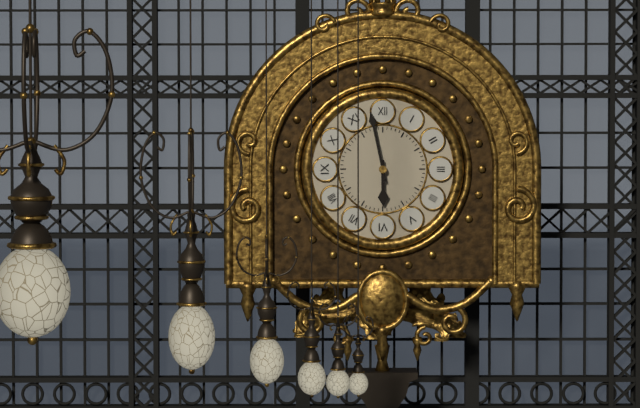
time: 5:58
